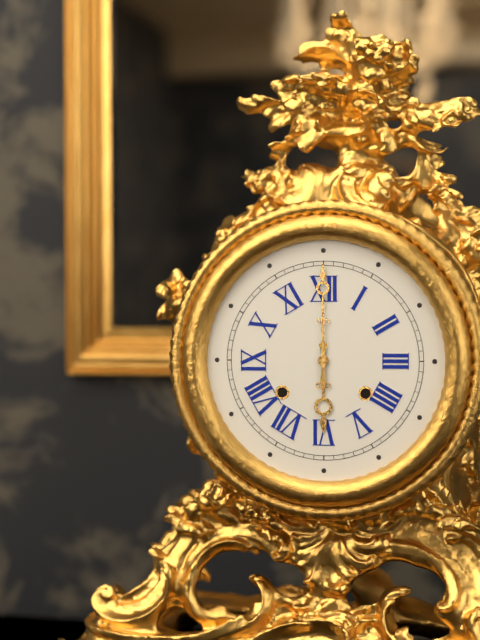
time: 6:00
